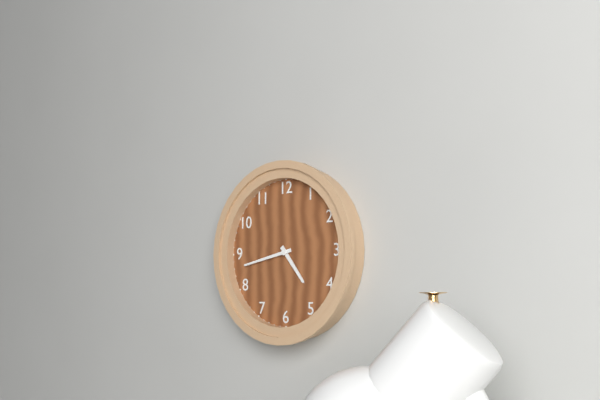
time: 4:43
